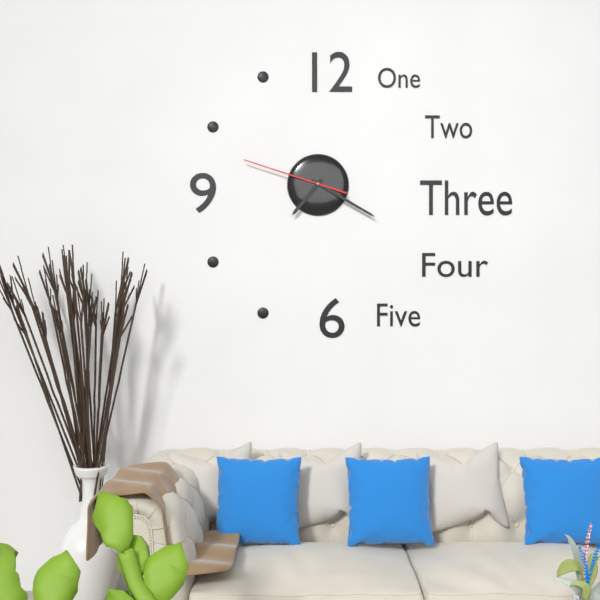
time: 7:20:48
